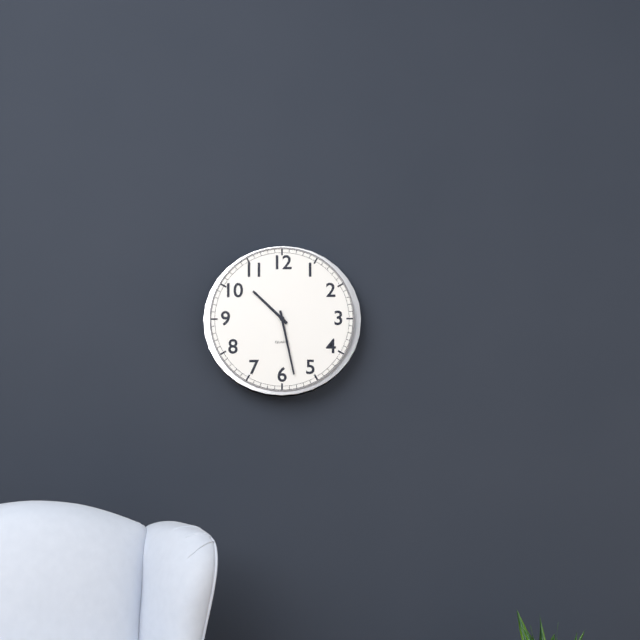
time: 10:28
